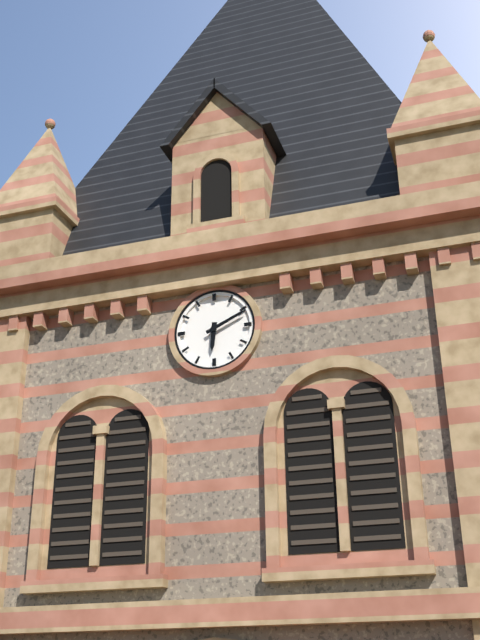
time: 6:11
